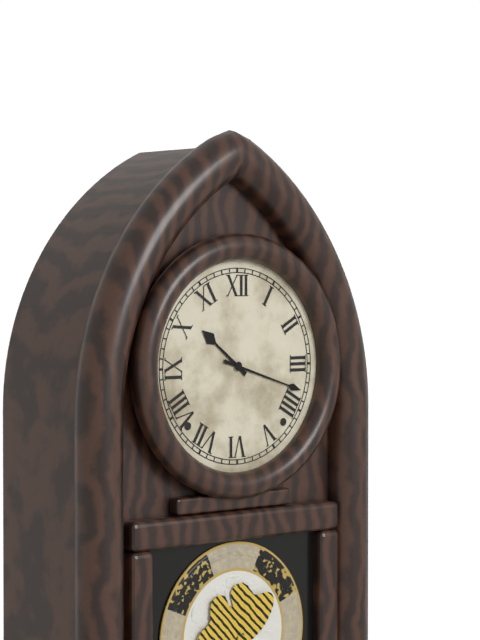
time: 10:18
